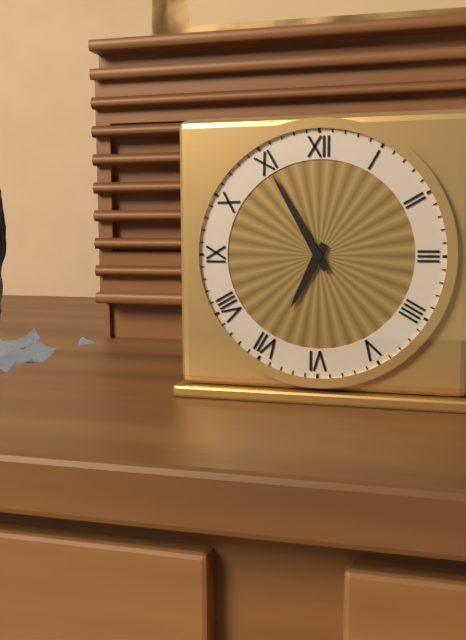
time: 6:55
